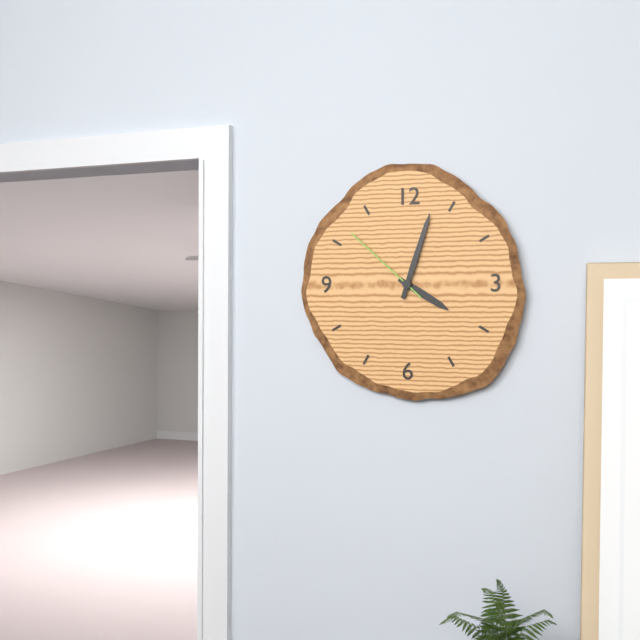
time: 4:03:52
